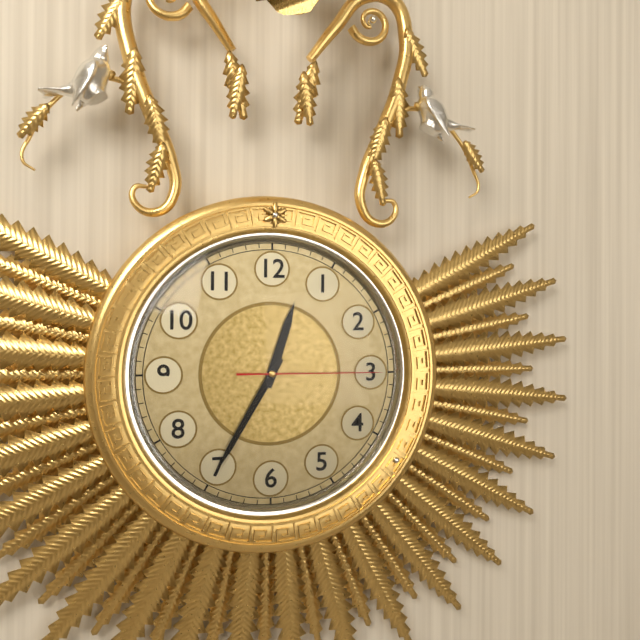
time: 12:35:15
